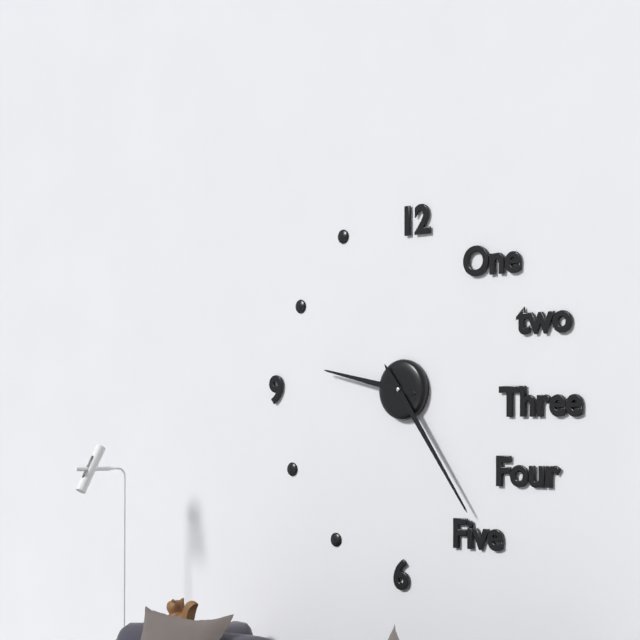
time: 9:24
